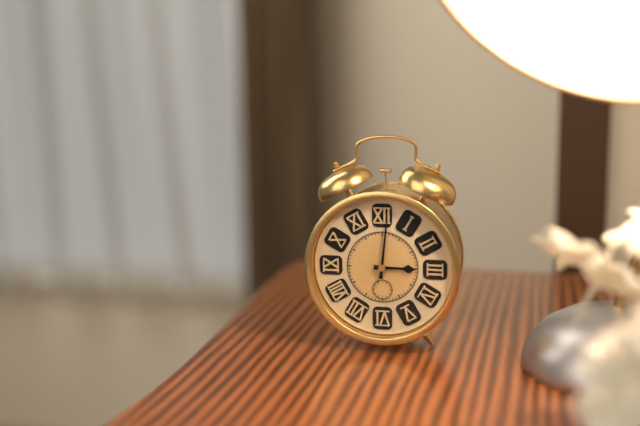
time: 3:01
